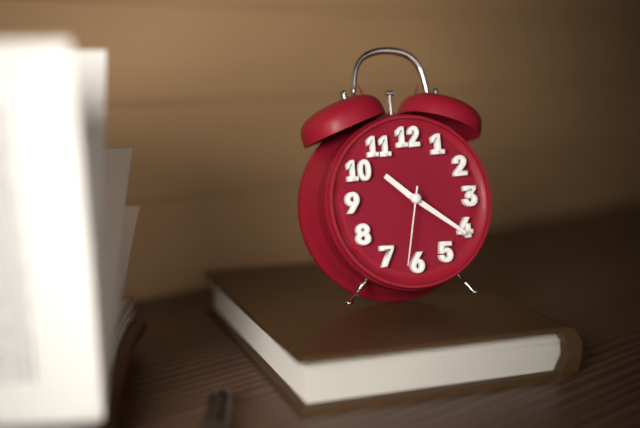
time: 10:21:32
